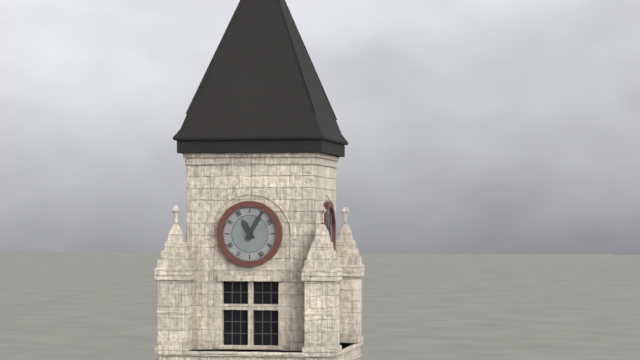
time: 11:05
